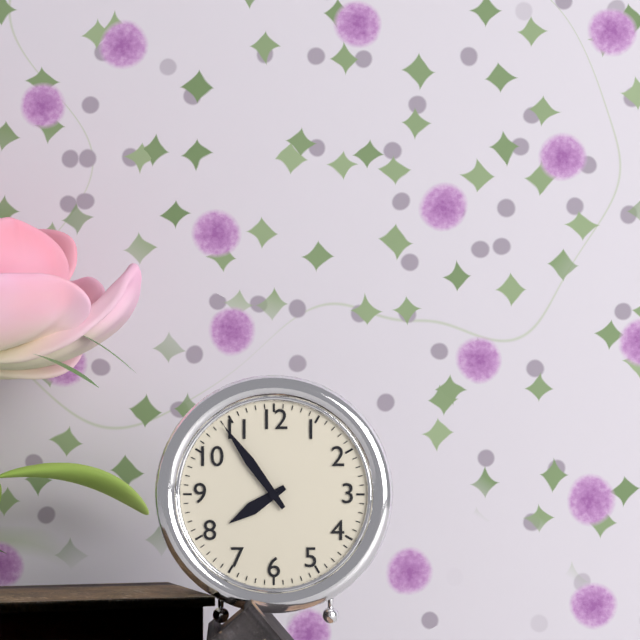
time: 7:54
